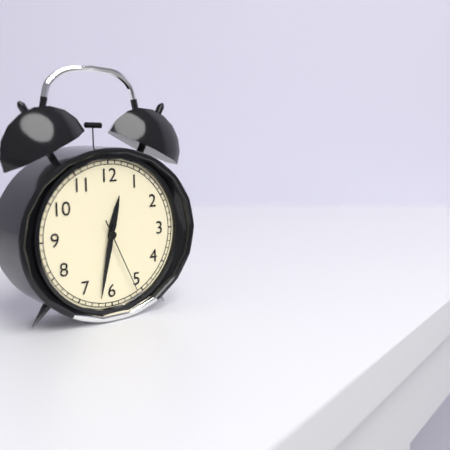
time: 12:32:26
